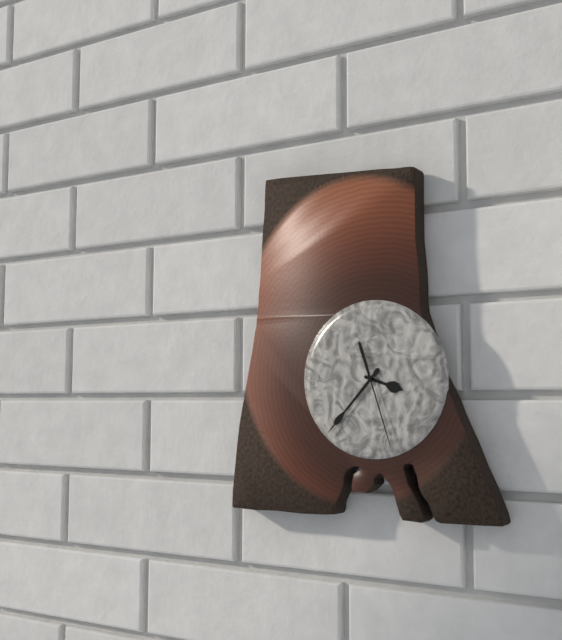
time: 3:37:27
